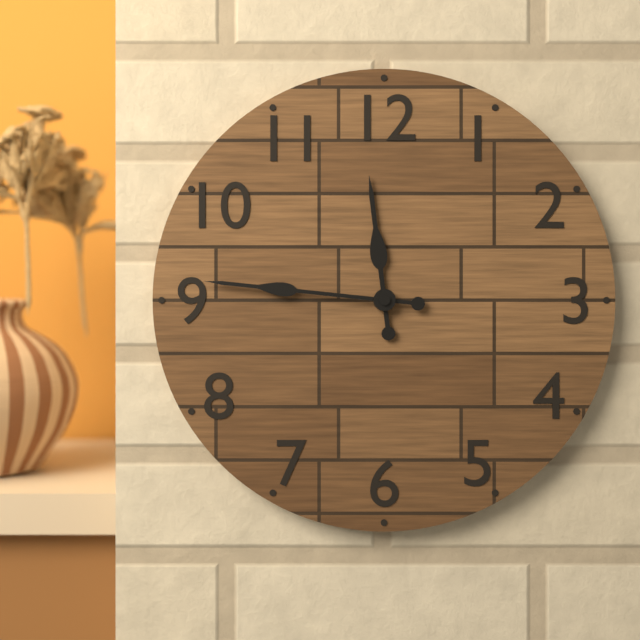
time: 11:46
